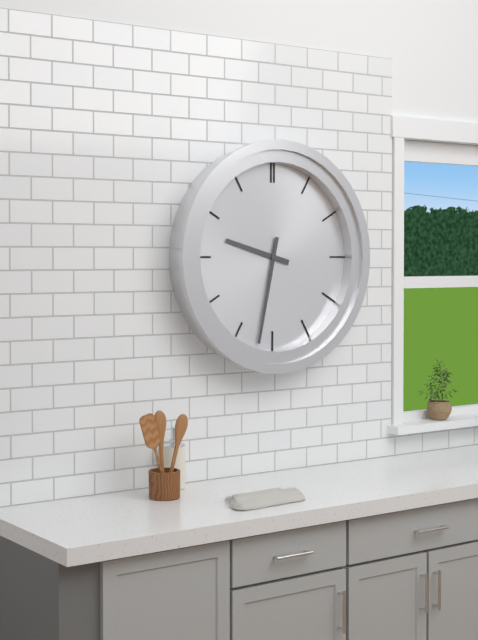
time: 9:32
